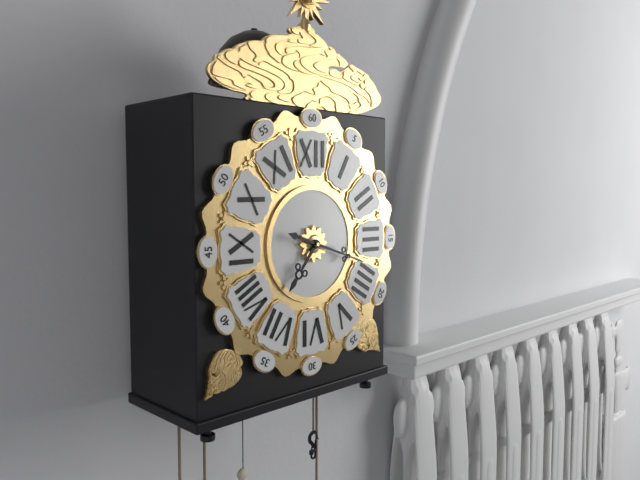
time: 7:18
